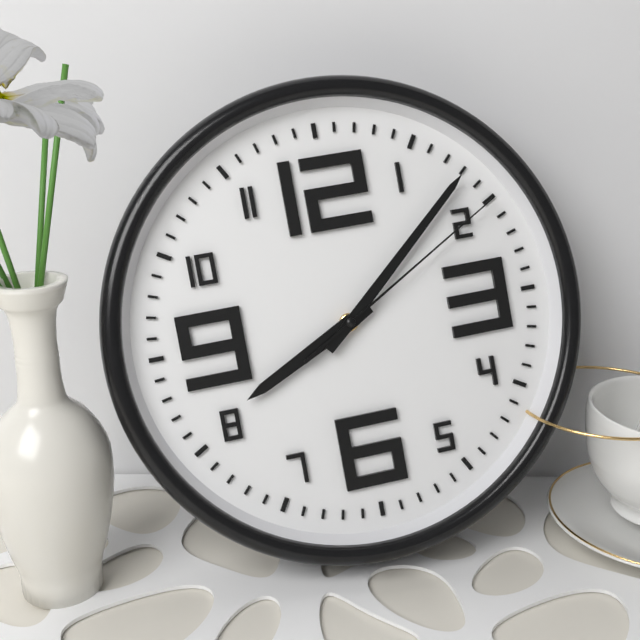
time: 8:08:10
